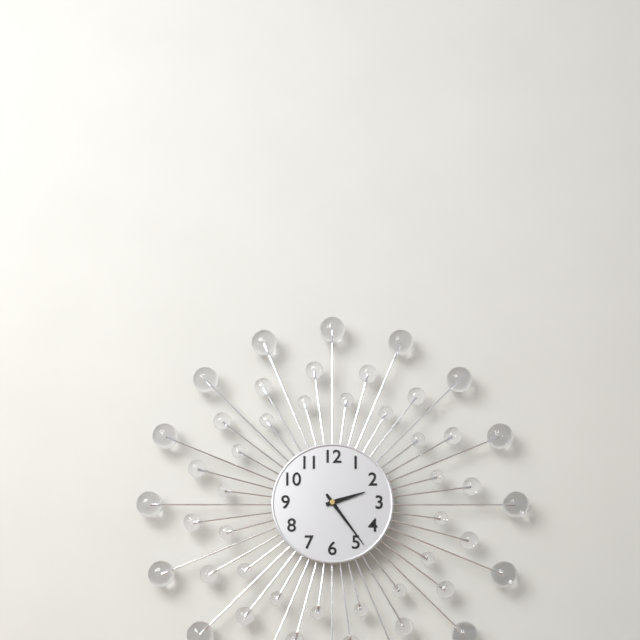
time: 2:24
